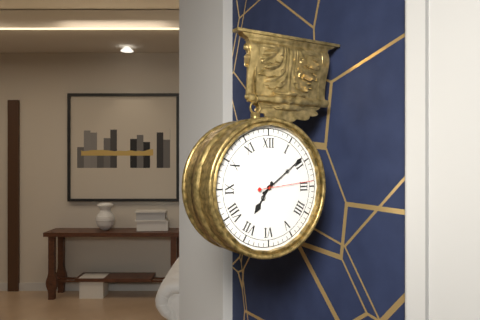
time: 7:09:14
